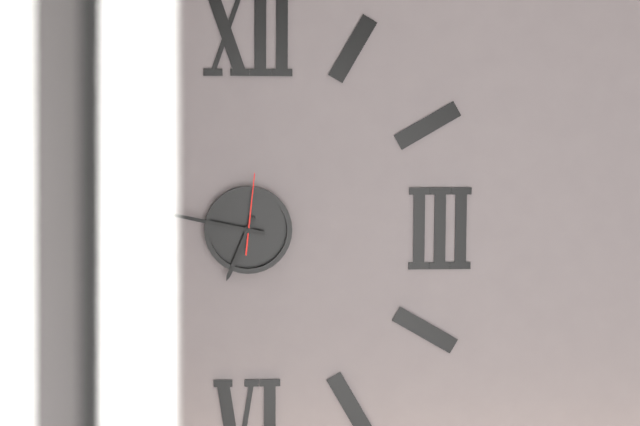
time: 6:47:01
